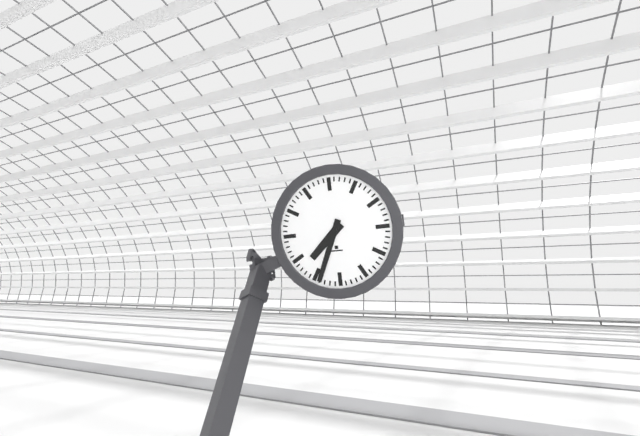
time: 7:34
